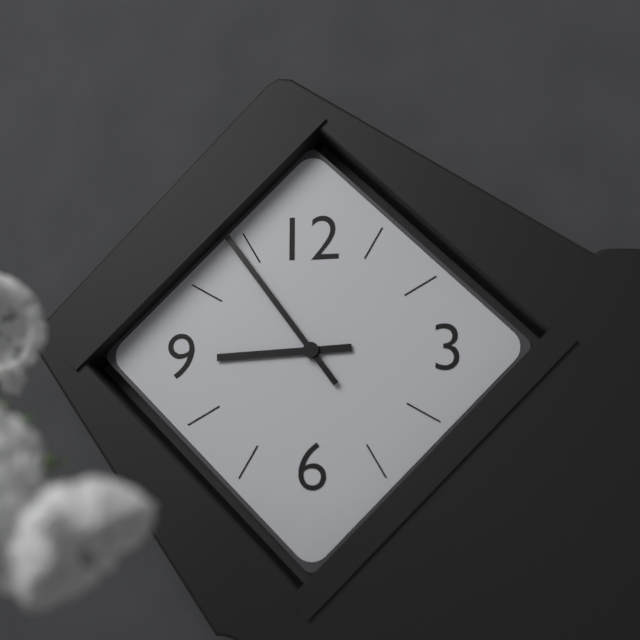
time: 8:54
